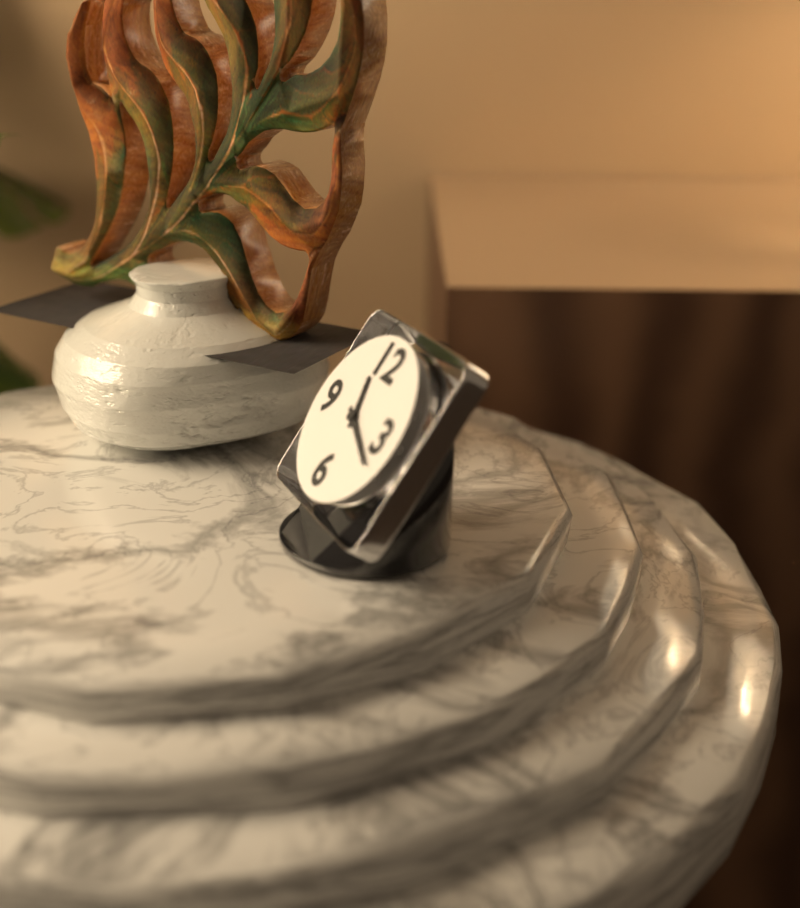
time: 11:19
